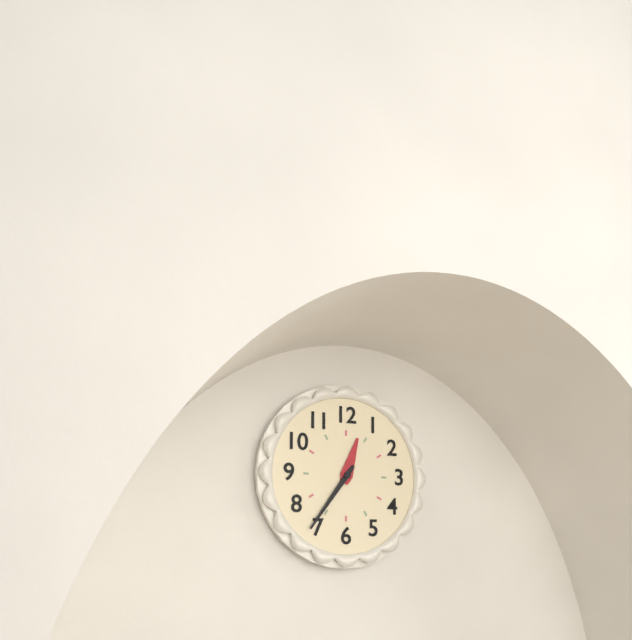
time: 12:36
